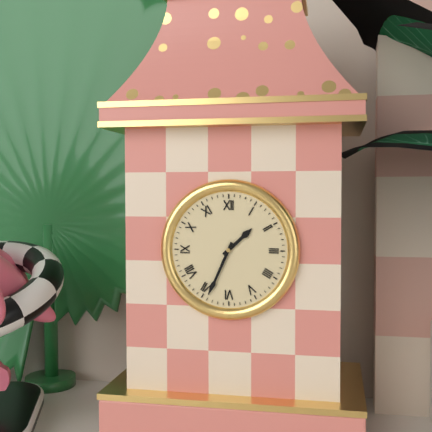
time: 1:34
